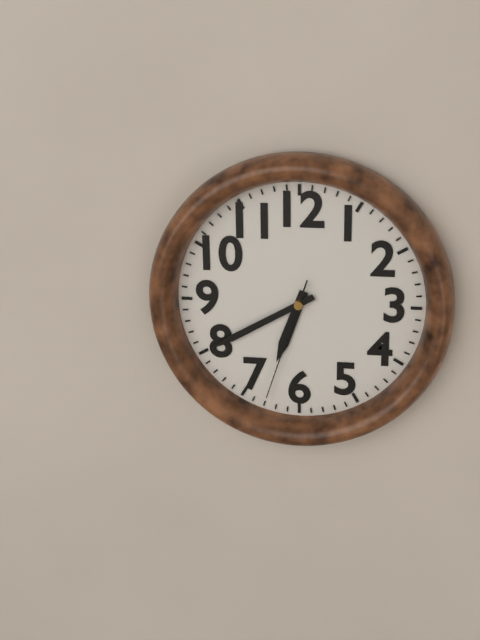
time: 6:40:33
